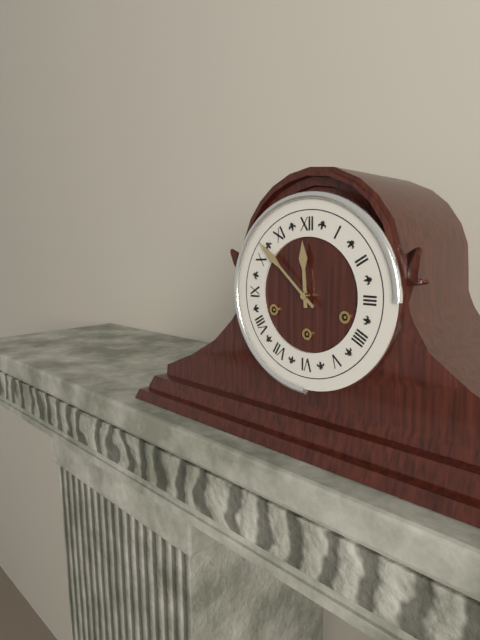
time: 11:52
